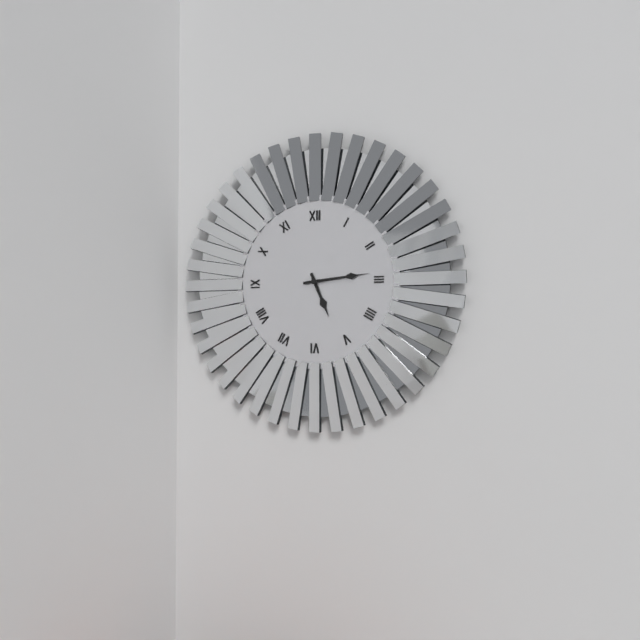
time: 5:14
